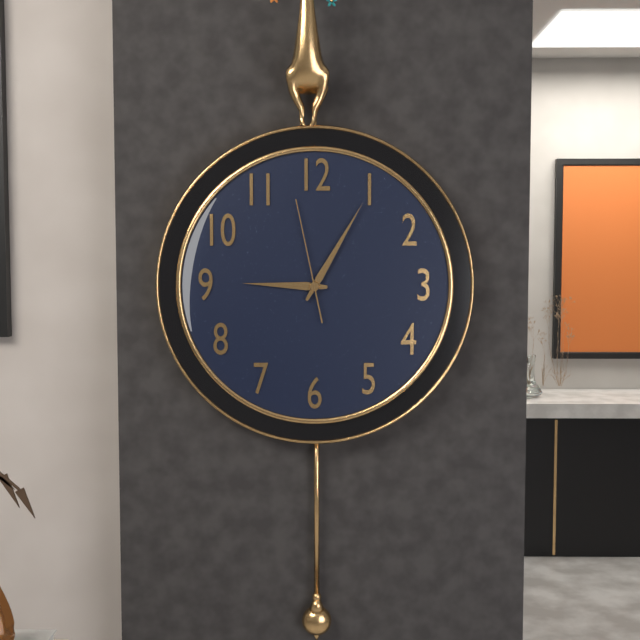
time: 9:05:58
